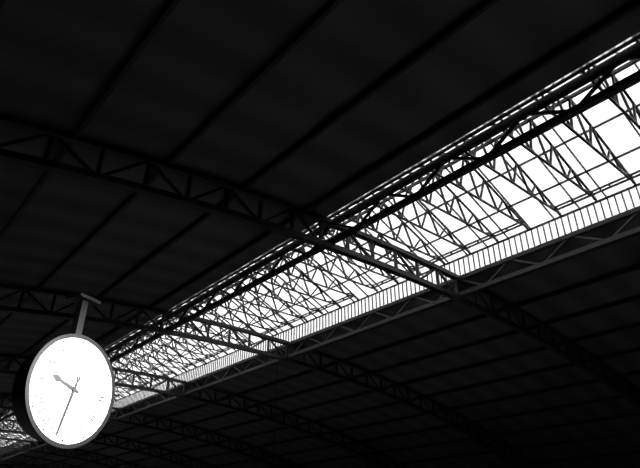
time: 9:32
